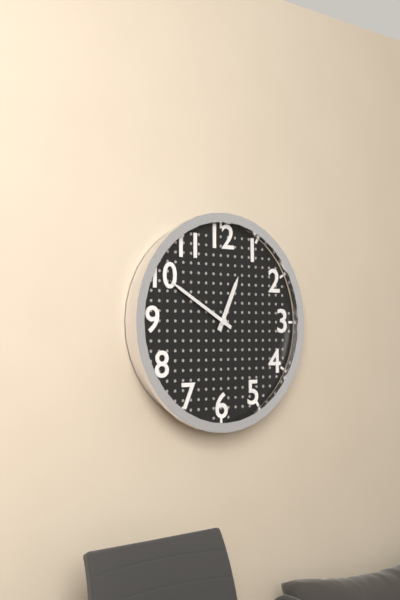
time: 12:50
